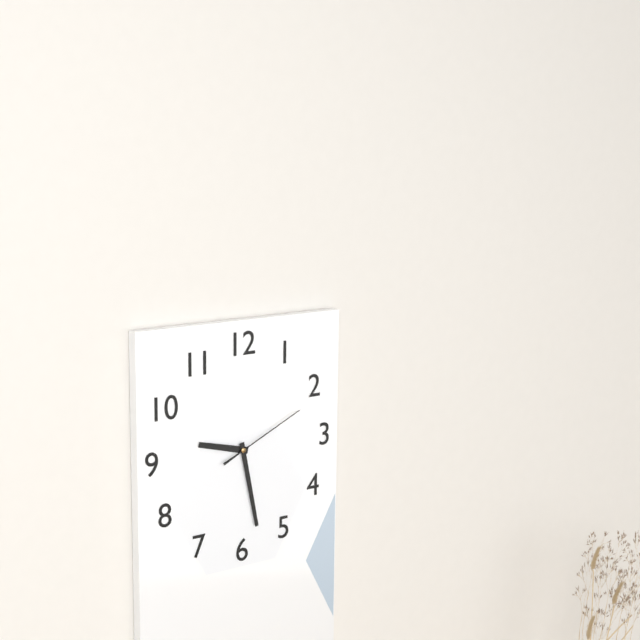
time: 9:28:11
